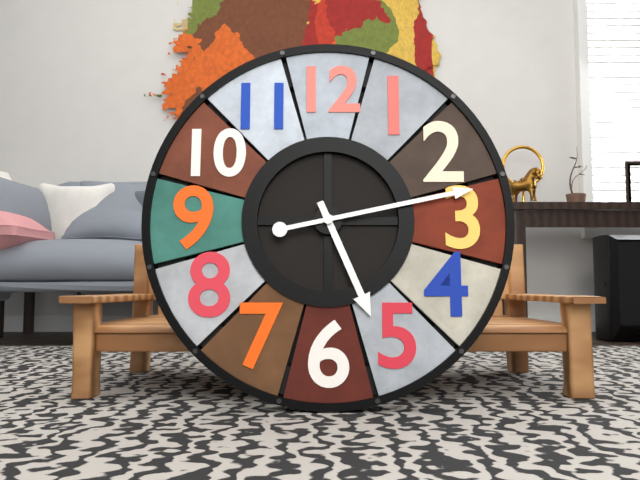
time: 5:13
